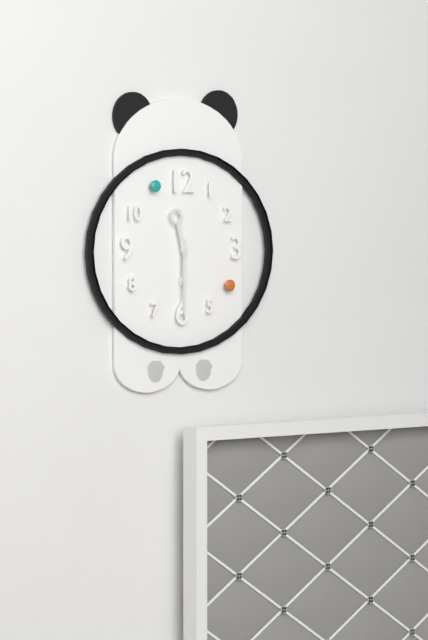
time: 11:30
